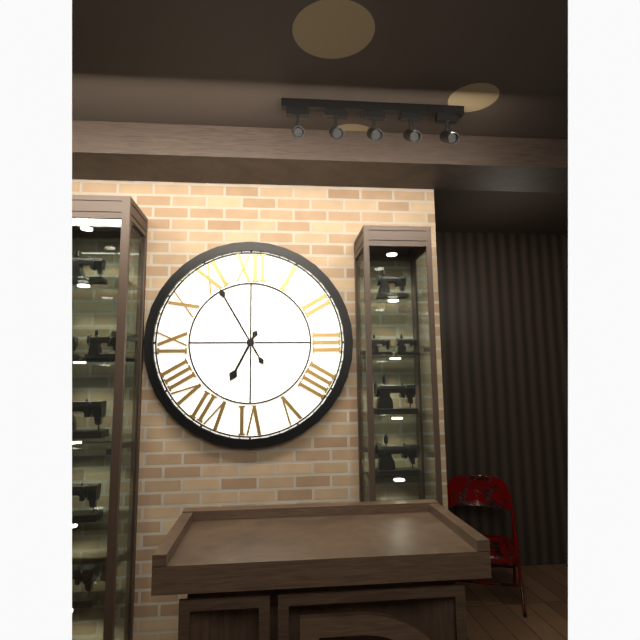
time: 6:55
